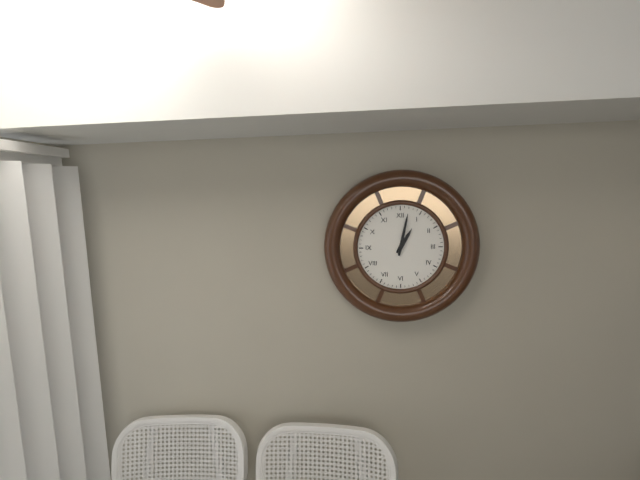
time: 1:02
